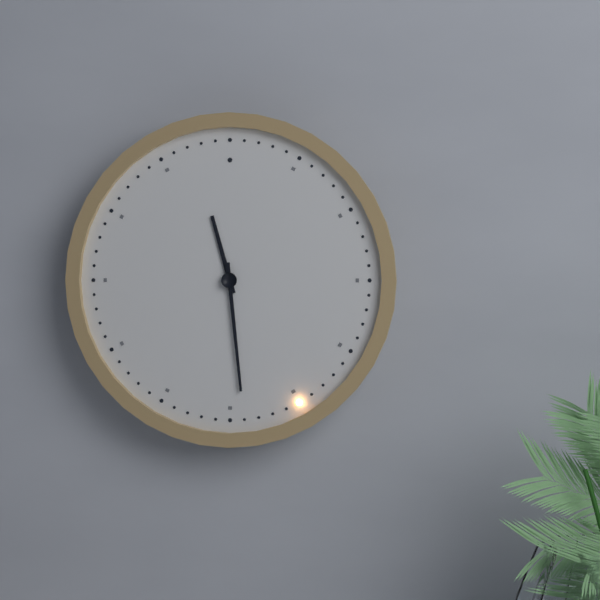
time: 11:29
